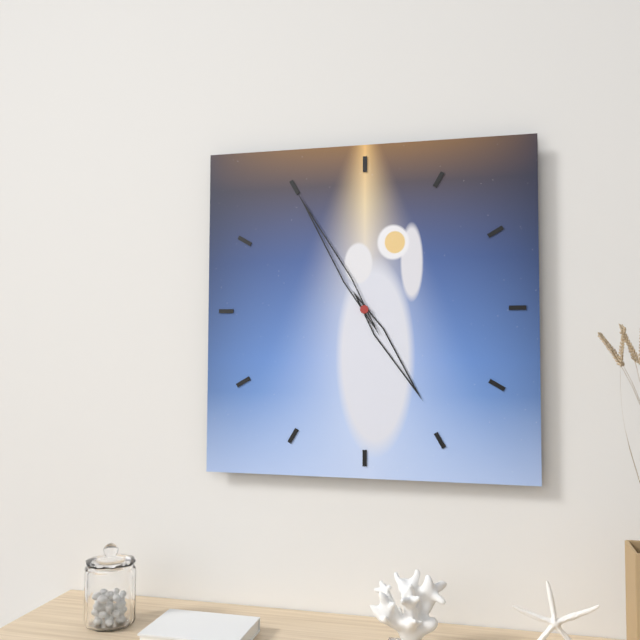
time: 4:55
